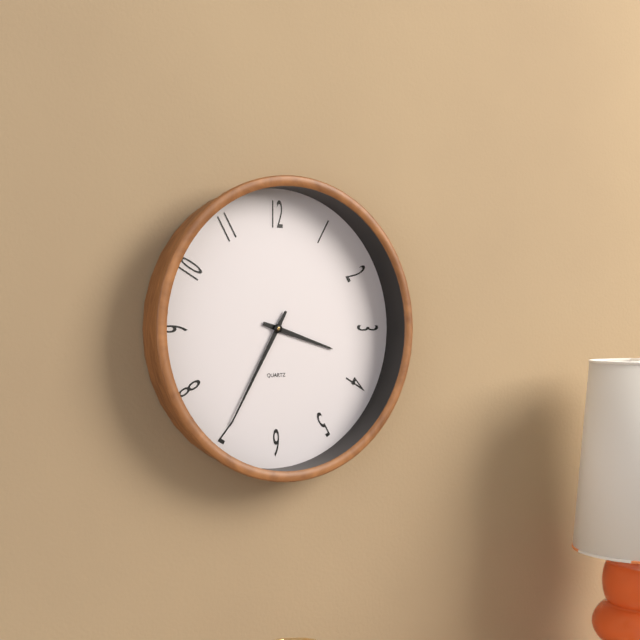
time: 3:35
